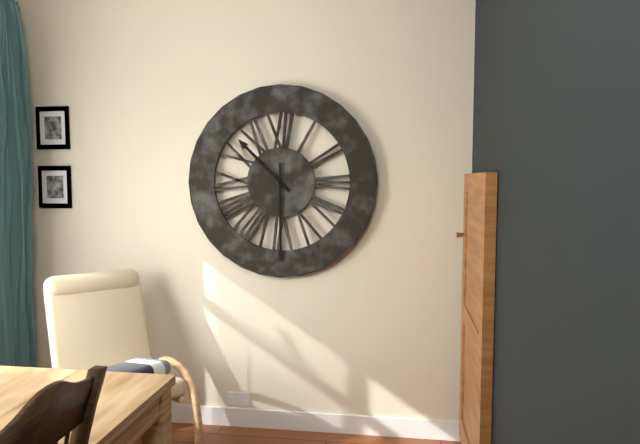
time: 10:30
